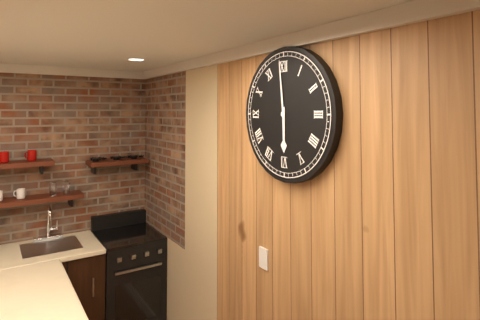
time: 5:59
